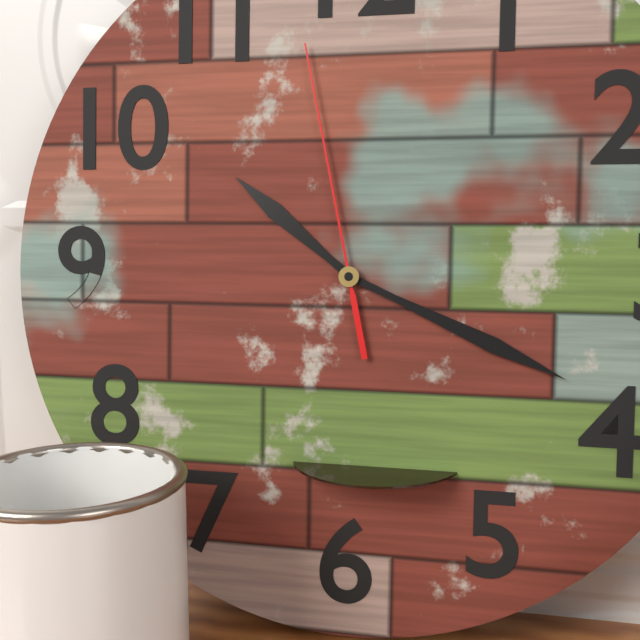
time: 10:19:58
